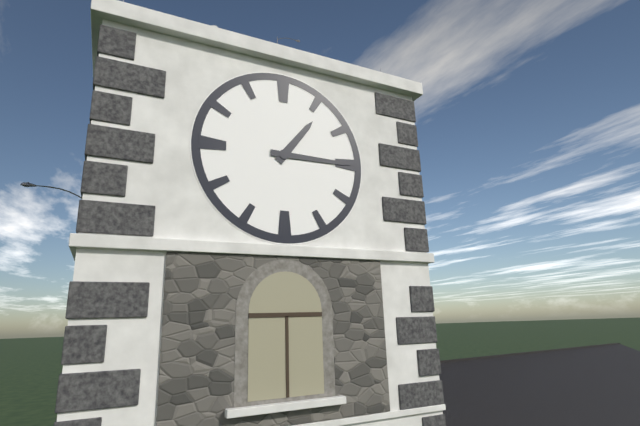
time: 1:15
